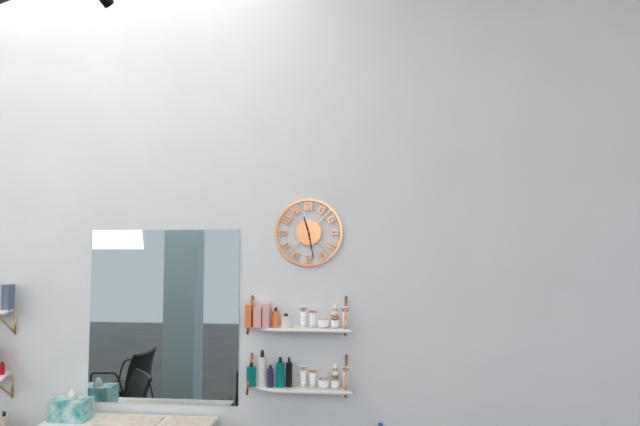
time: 11:28
